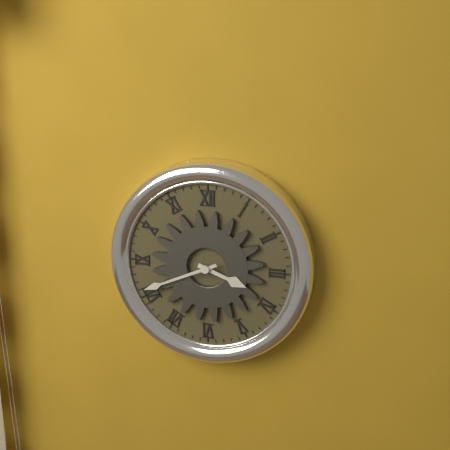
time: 3:41
